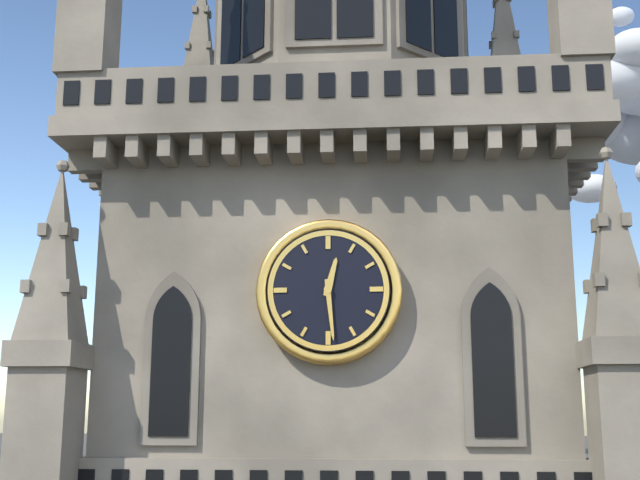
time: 12:29
